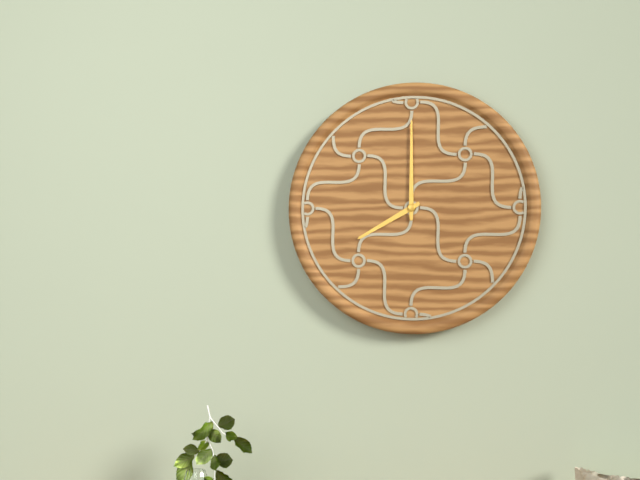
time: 8:00
